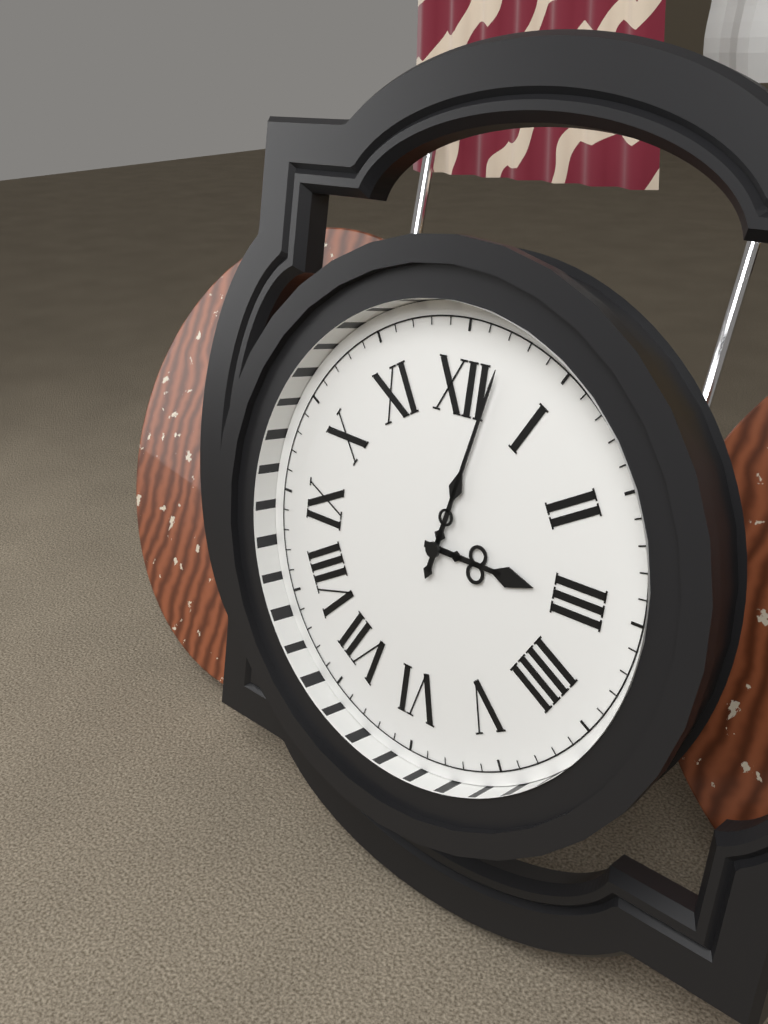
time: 3:02
